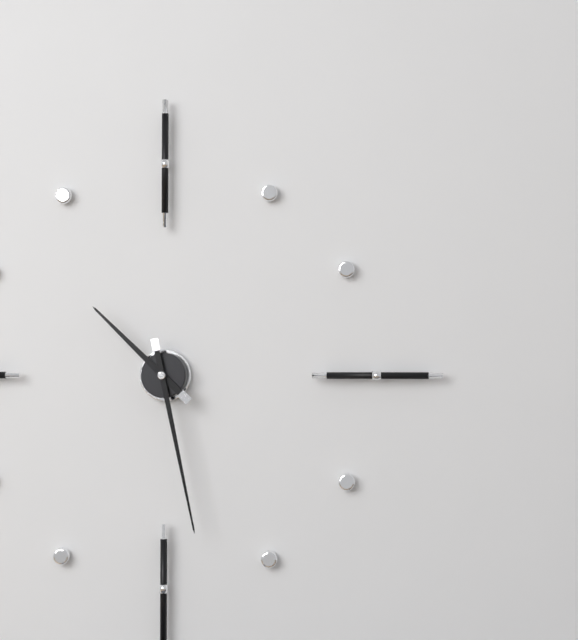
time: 10:28
